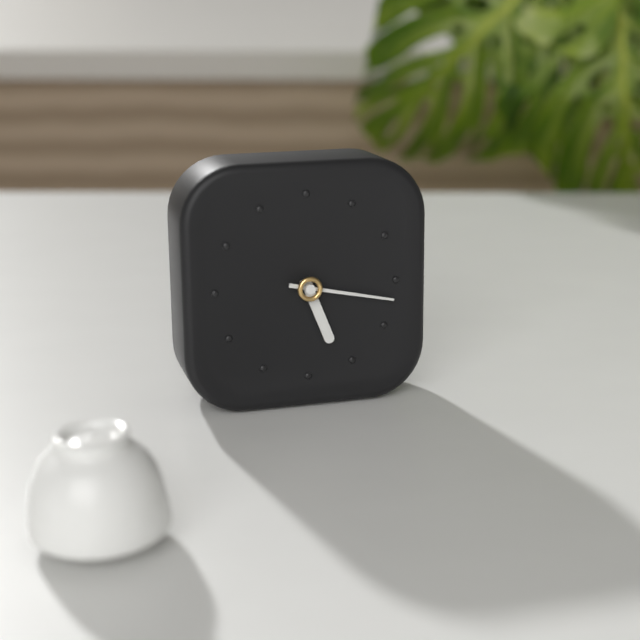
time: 5:17
